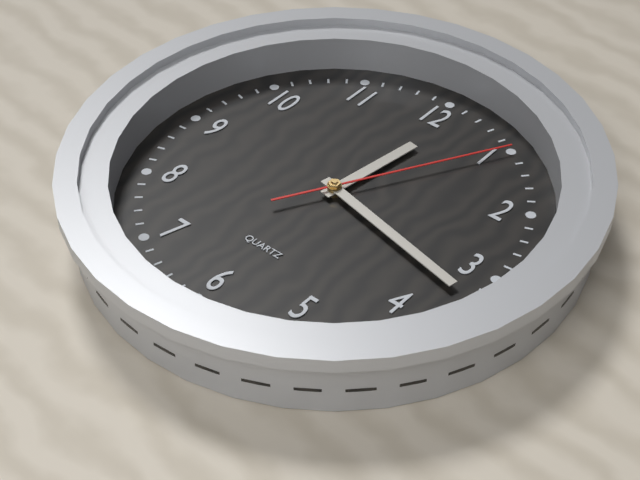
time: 12:17:05
